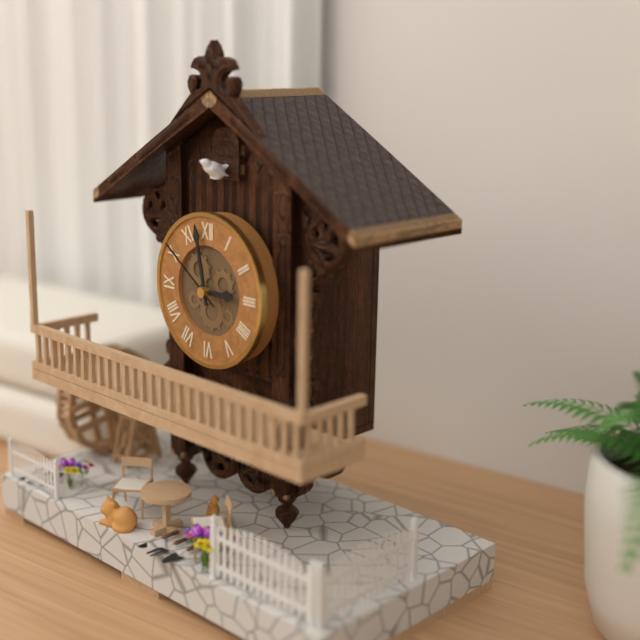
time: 2:58:51
